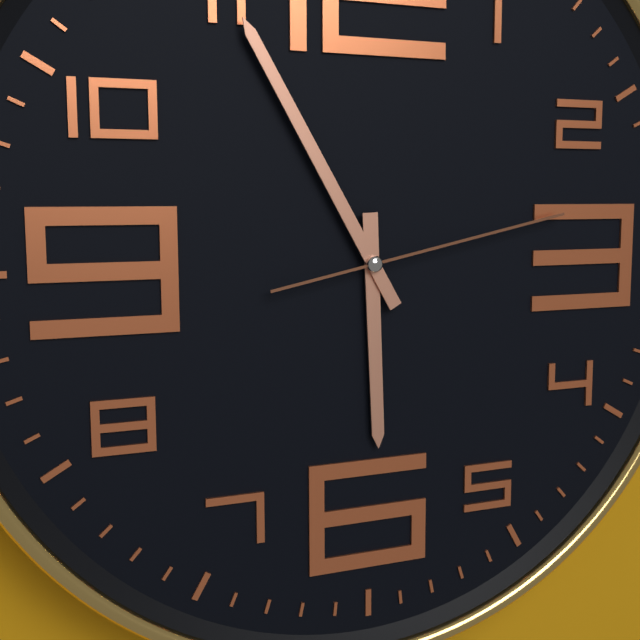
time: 5:55:13
